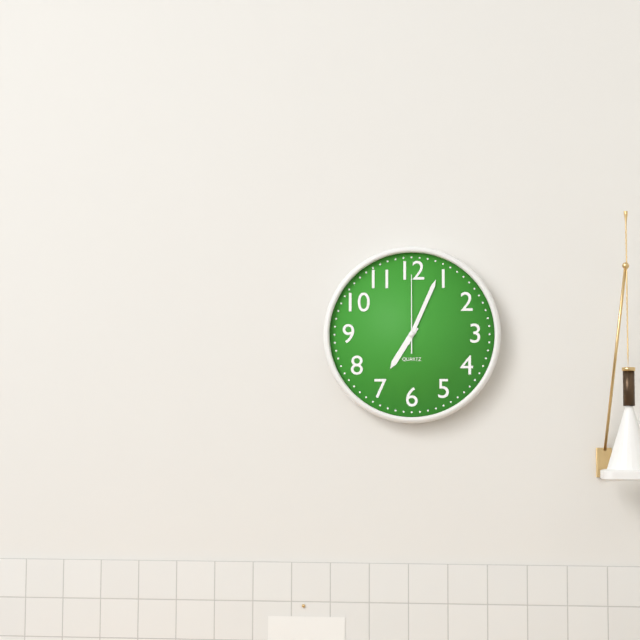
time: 7:04:00
